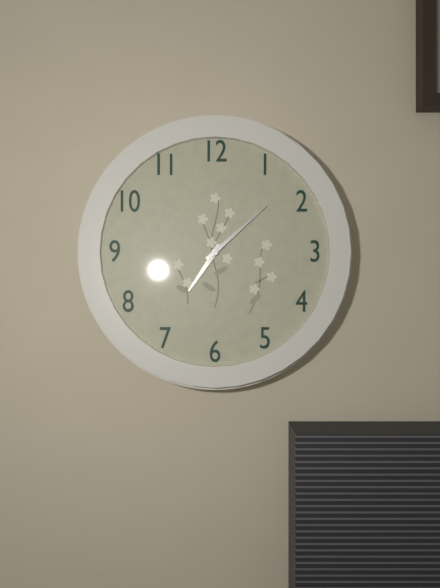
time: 7:08
